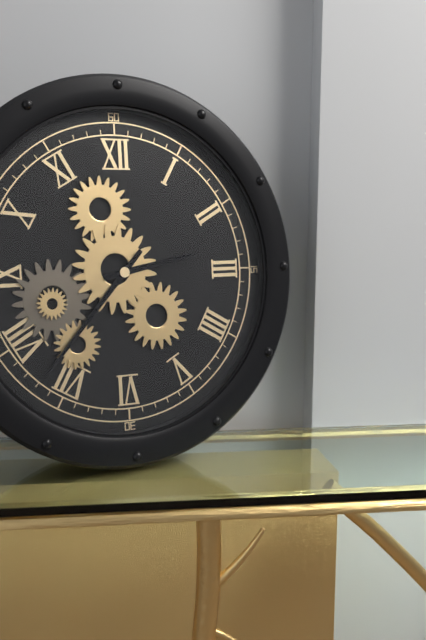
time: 2:37
